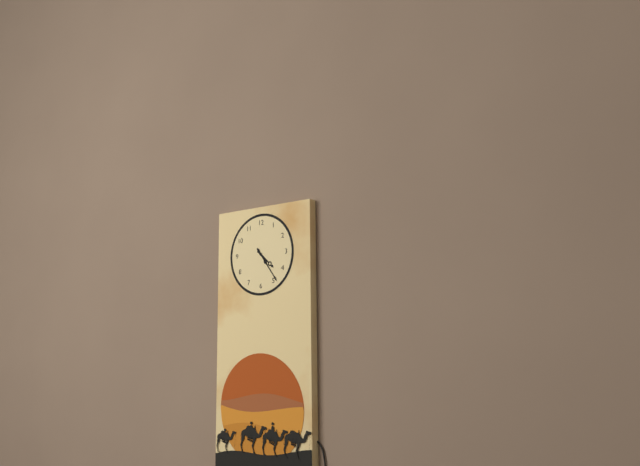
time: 4:24
